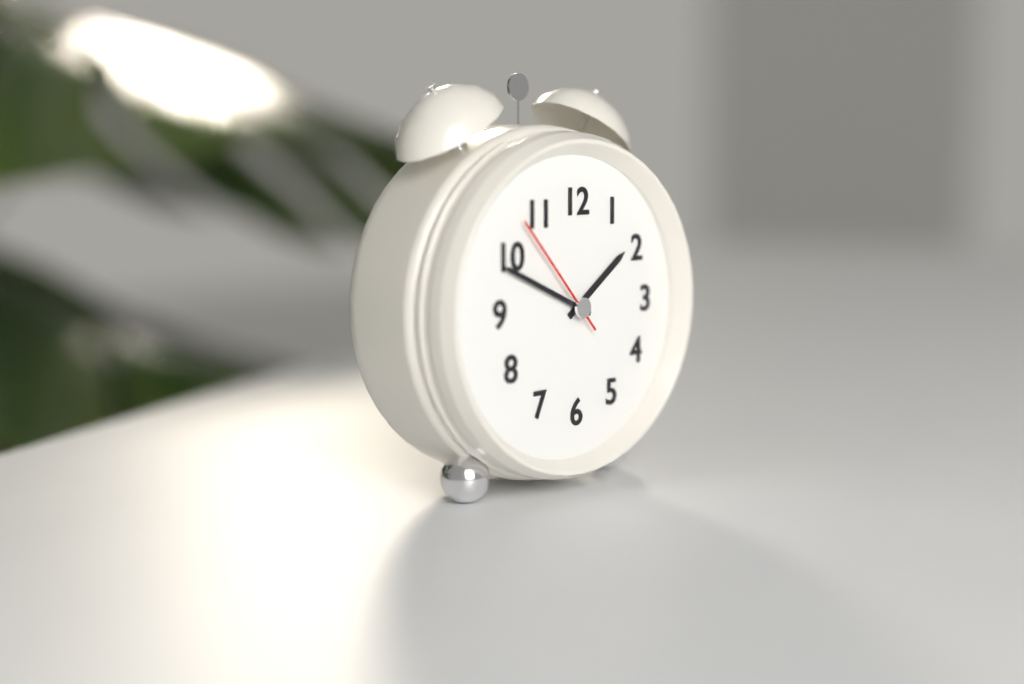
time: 1:49:53
